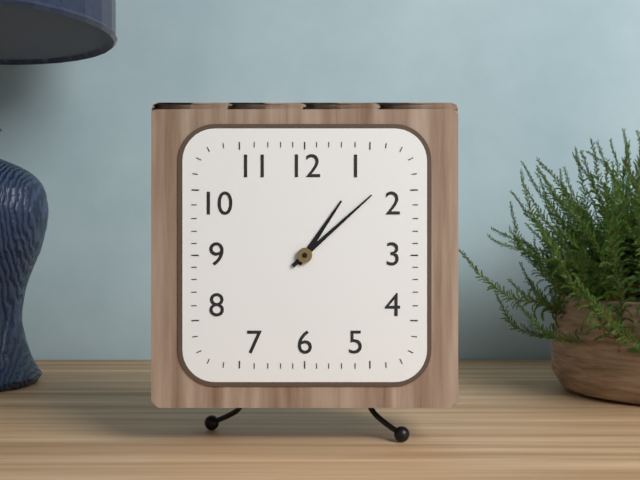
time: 1:08
